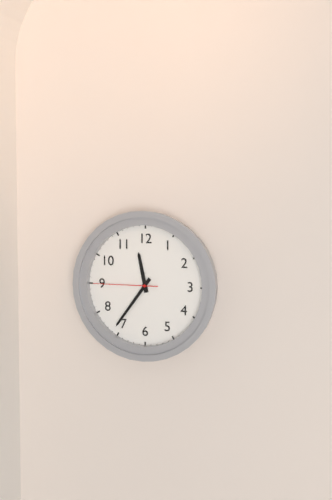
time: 11:36:45
